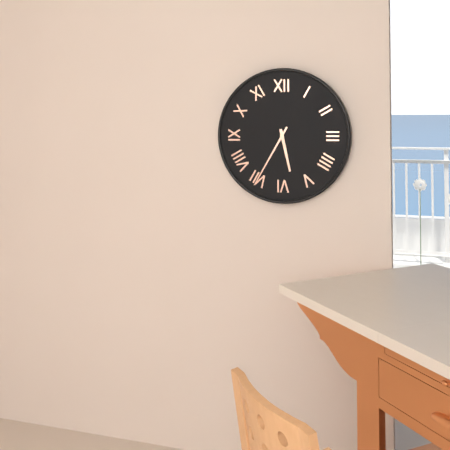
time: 5:35
